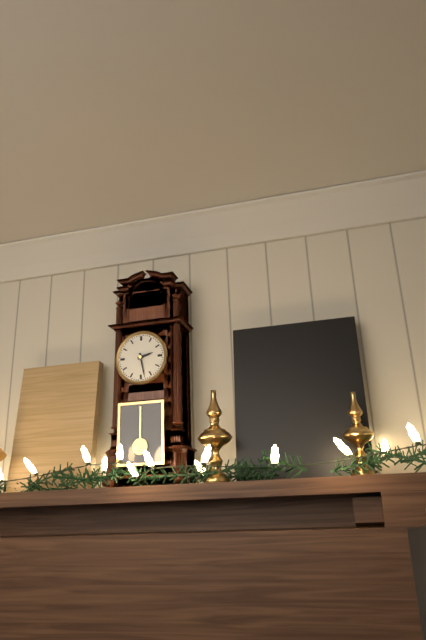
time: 2:28
